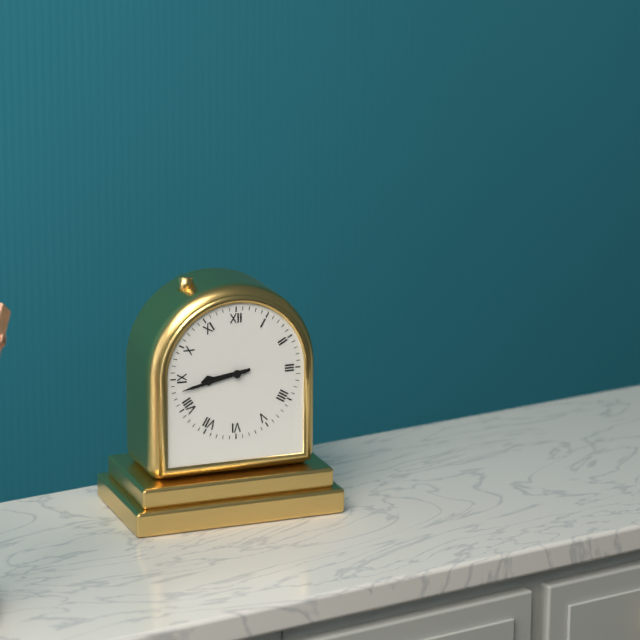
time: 8:43
